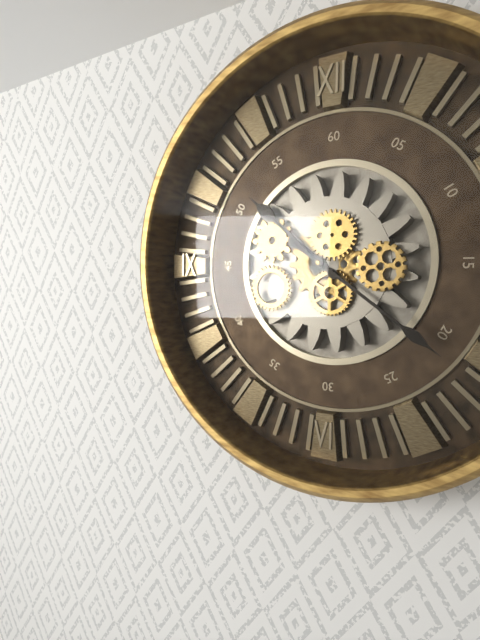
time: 10:21
